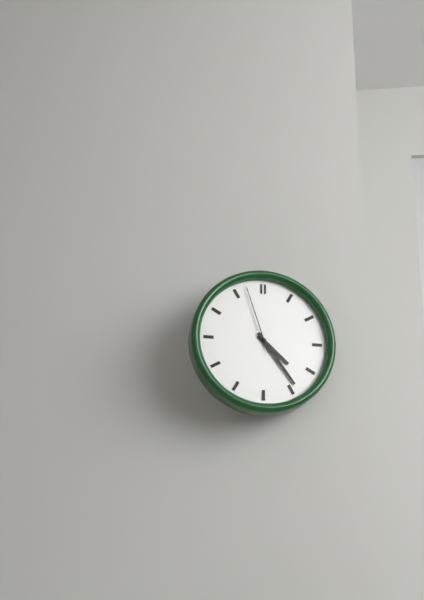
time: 4:24:57
